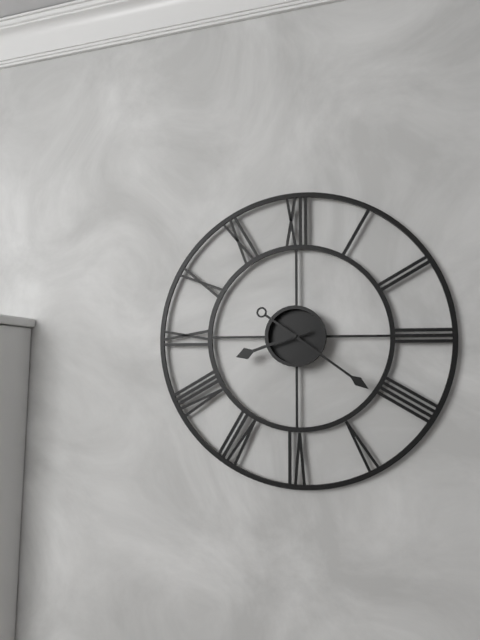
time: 8:21
